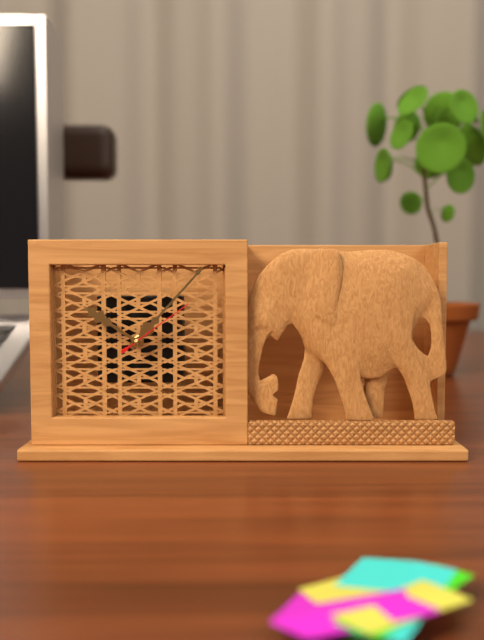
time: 10:07:09
